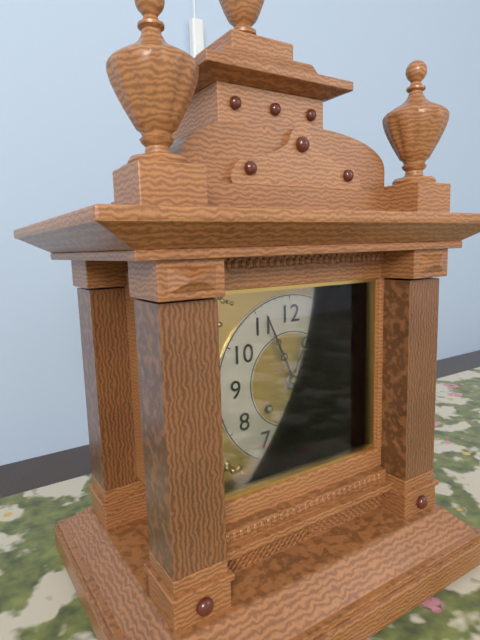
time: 12:56
